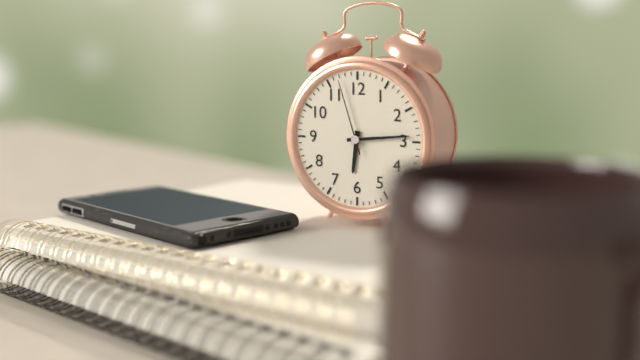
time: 6:14:57
